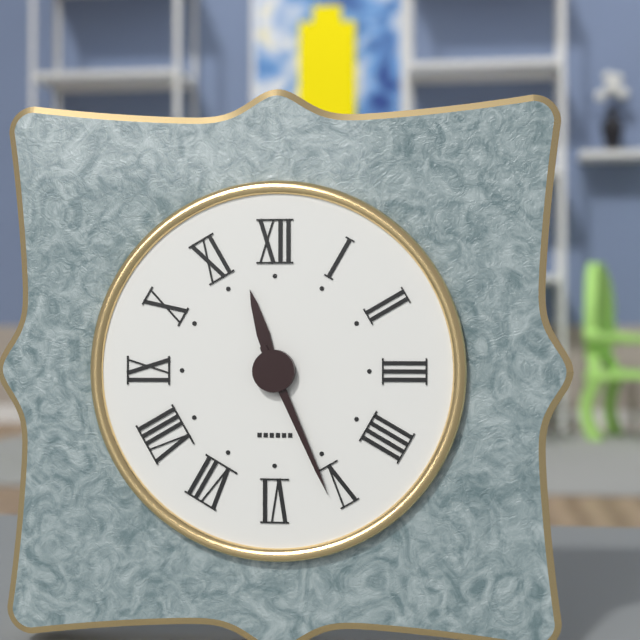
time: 11:26
